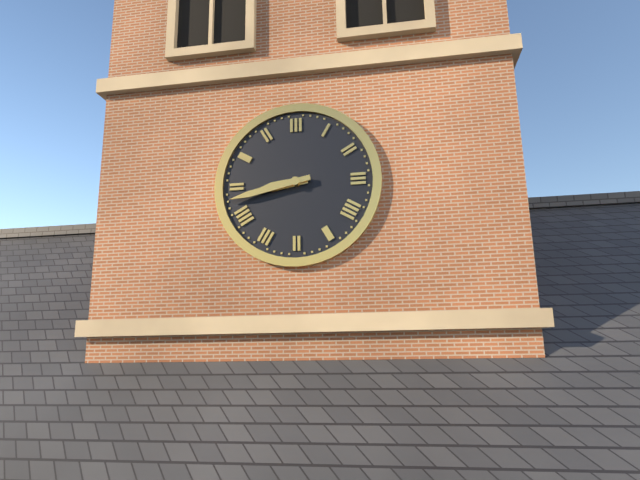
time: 8:43
